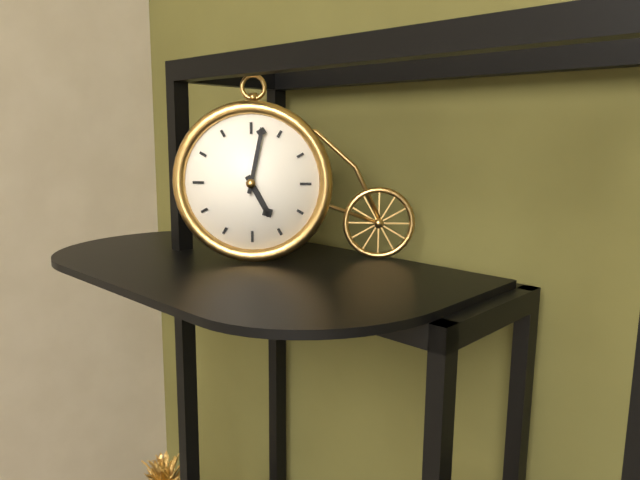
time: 5:02
